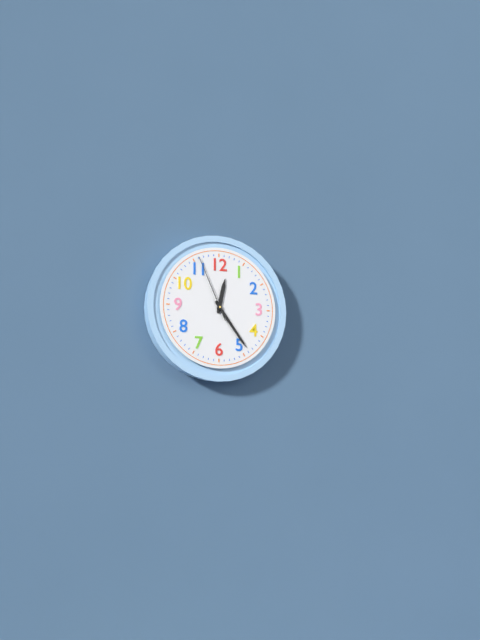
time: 12:24:56
